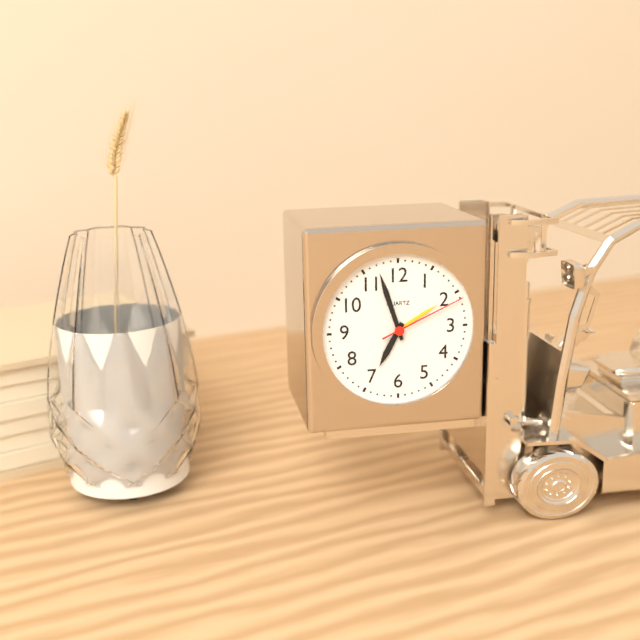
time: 6:57:11
